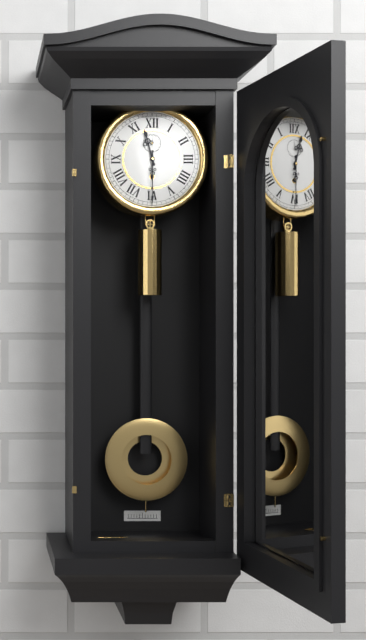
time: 11:30
